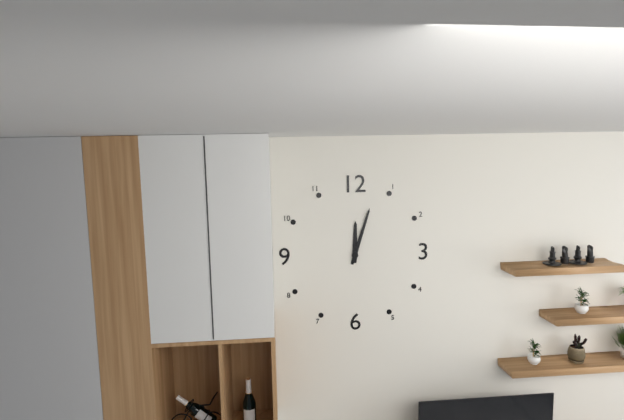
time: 12:03
